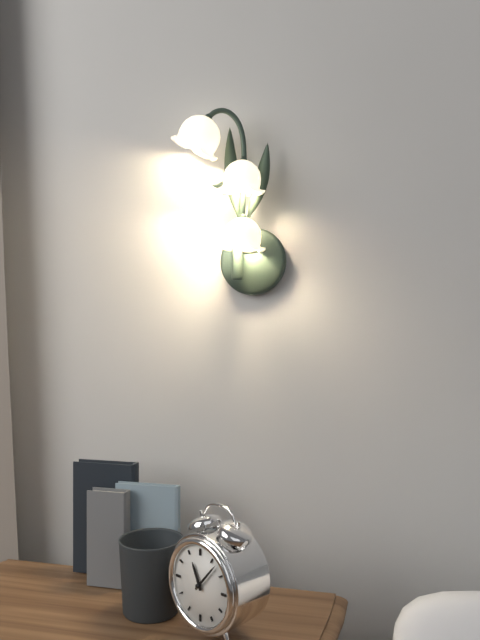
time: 11:07
